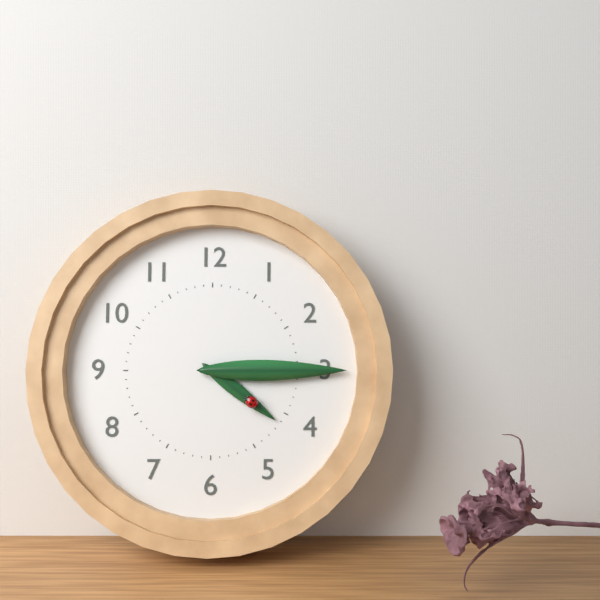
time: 4:15
